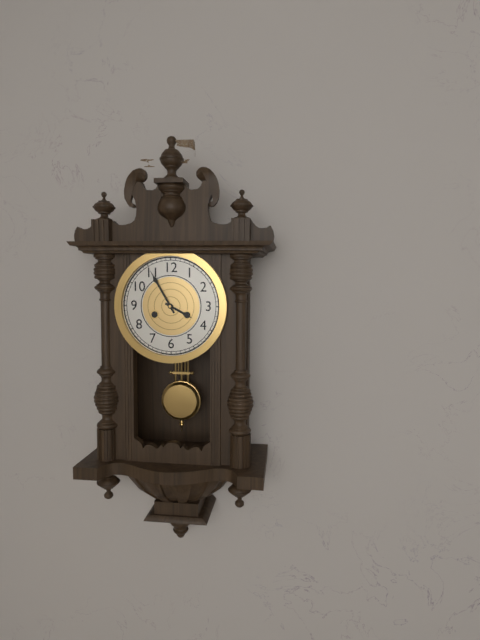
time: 3:55
